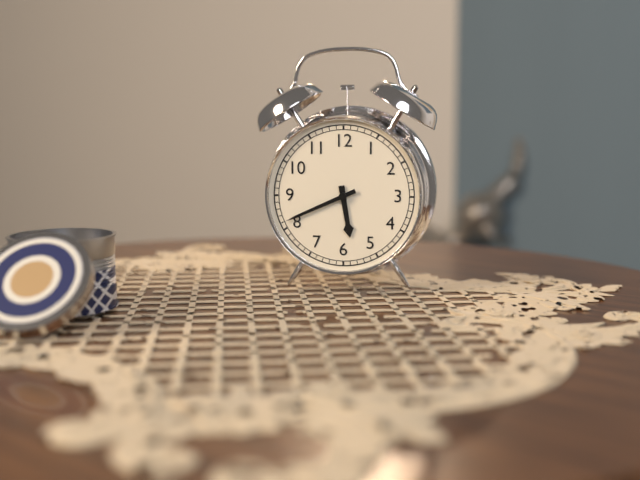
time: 5:41
